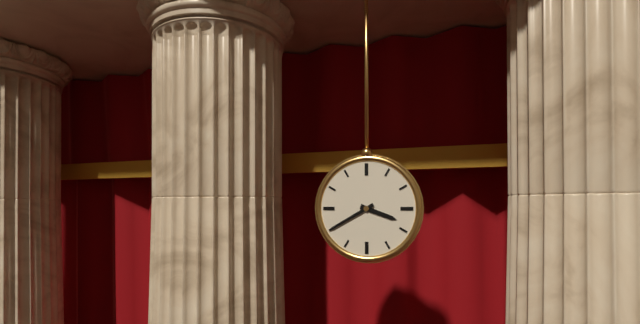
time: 3:40
